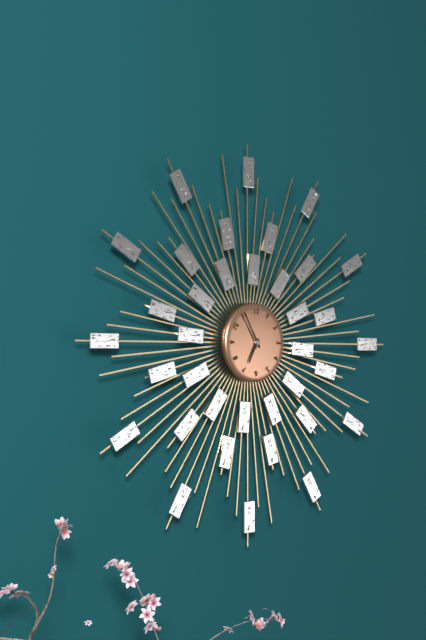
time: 6:55
